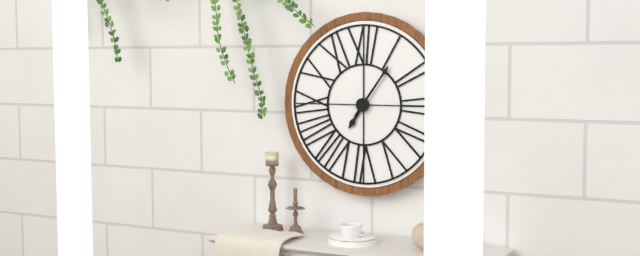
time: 7:06
